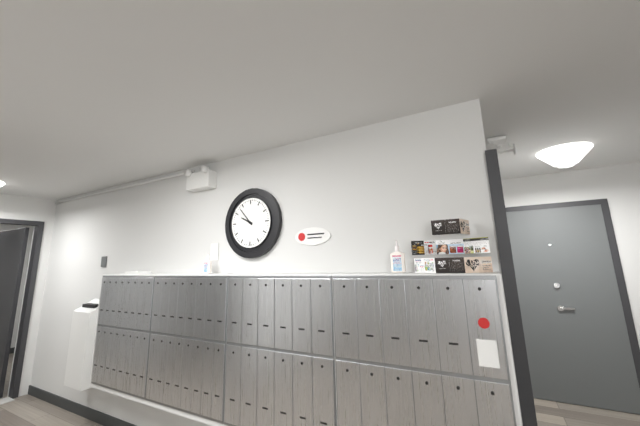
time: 9:53
